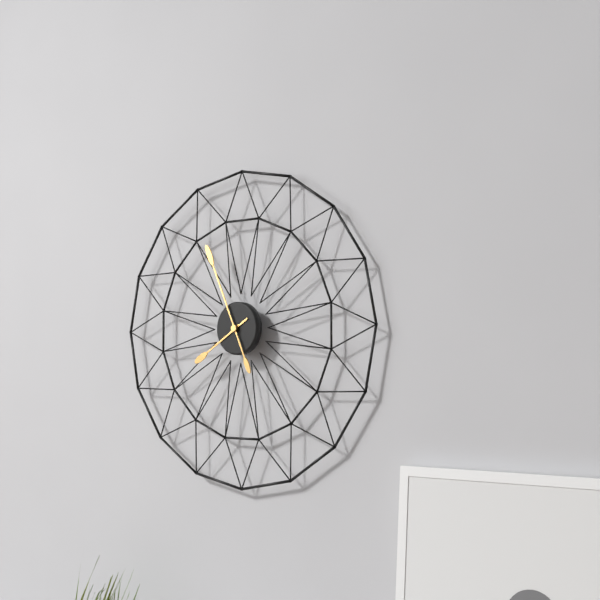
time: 7:56
